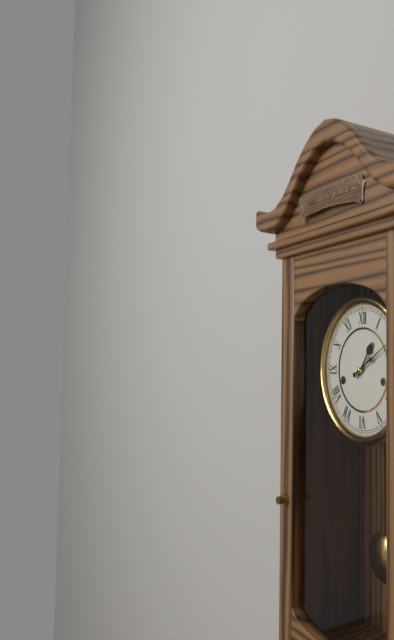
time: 1:10
